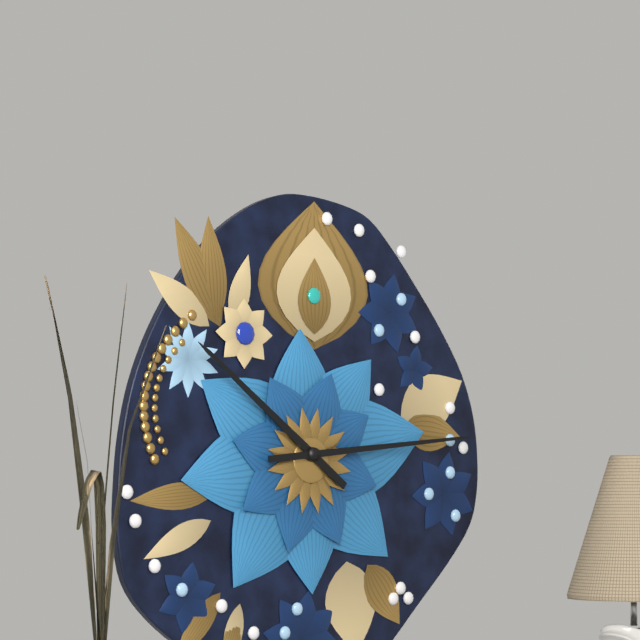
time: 10:14
